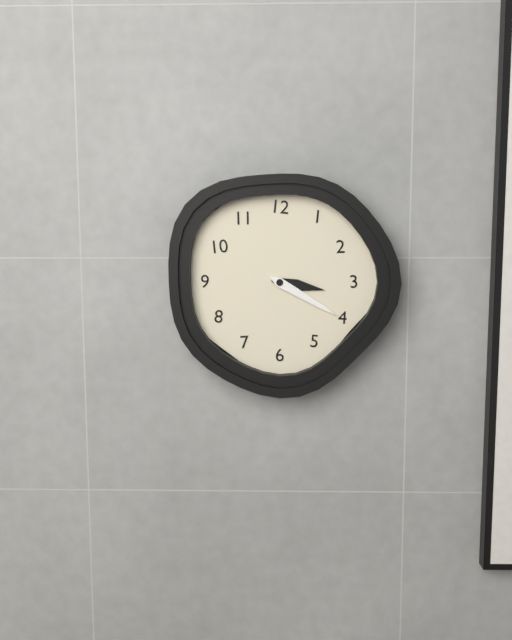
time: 3:20
